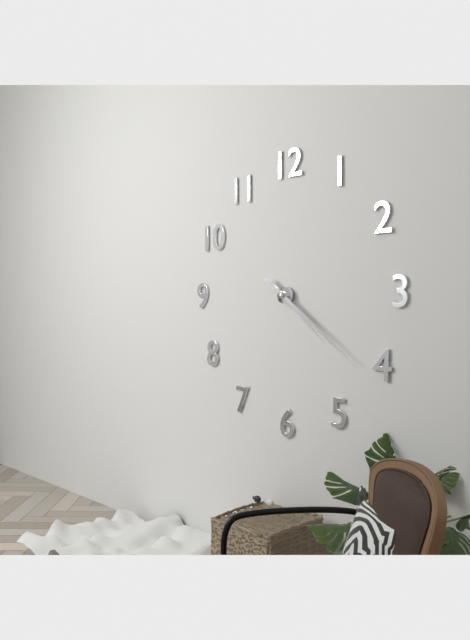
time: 4:21
